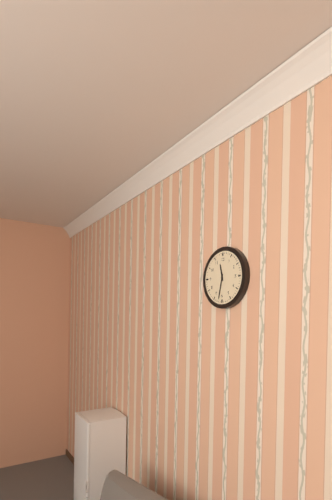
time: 11:32
